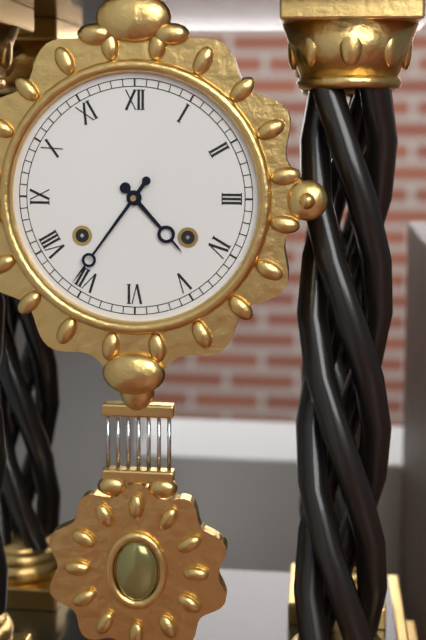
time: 4:36
